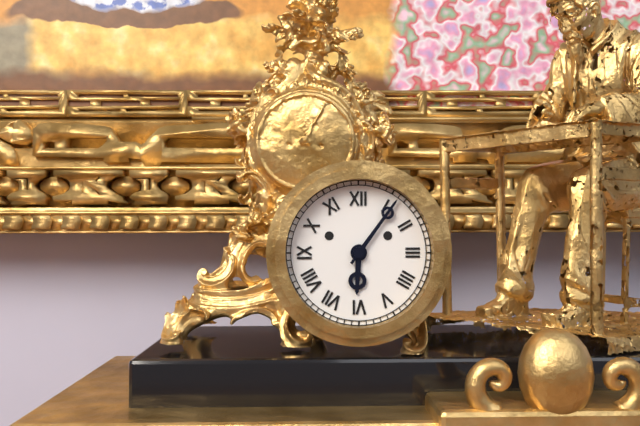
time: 6:06
